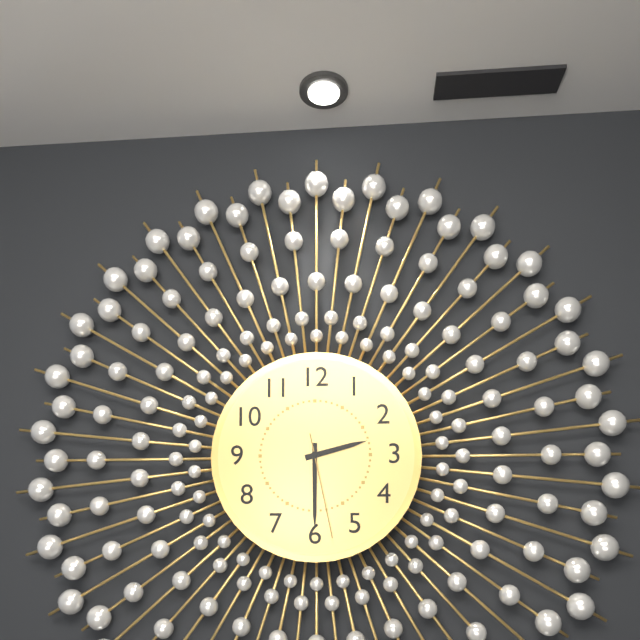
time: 2:30:28
